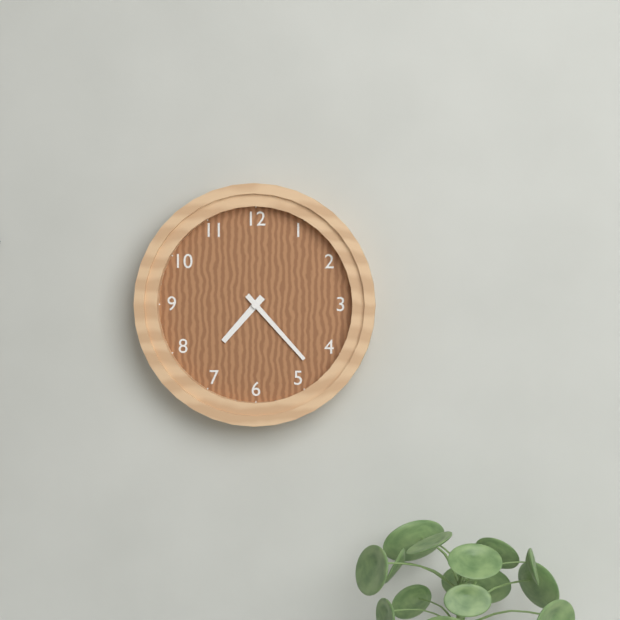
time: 7:23
